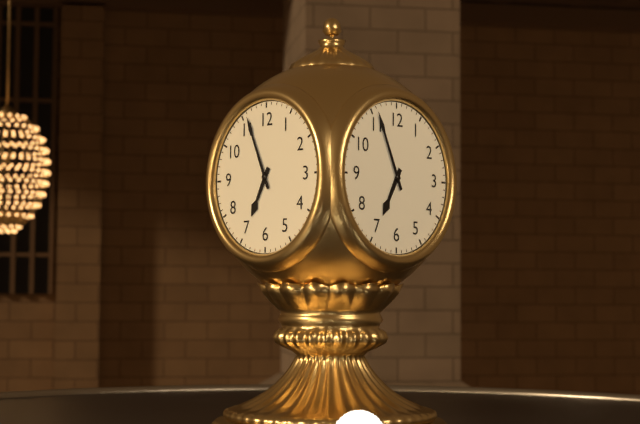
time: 6:56
